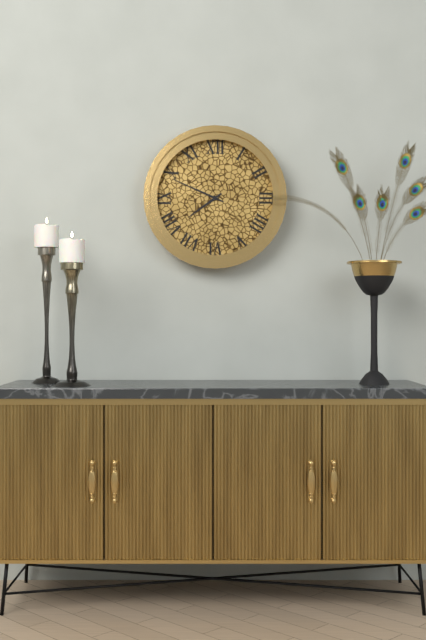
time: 7:49
